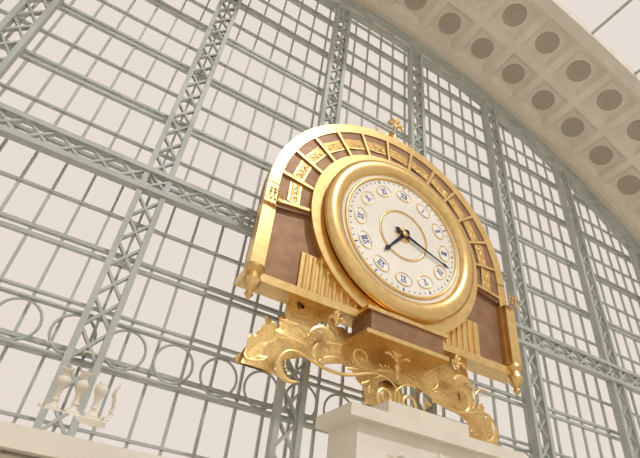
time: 7:18
